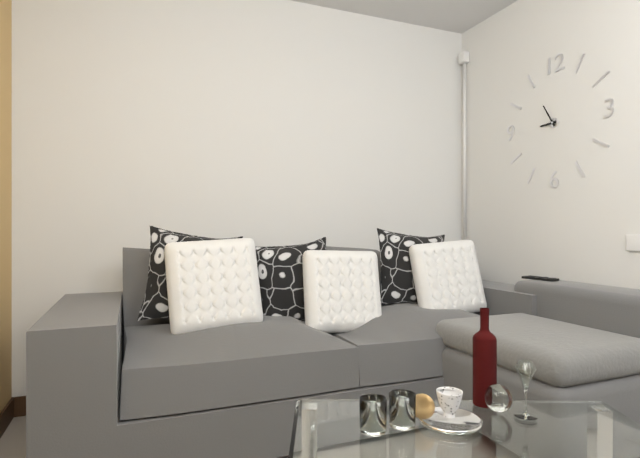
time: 8:55
